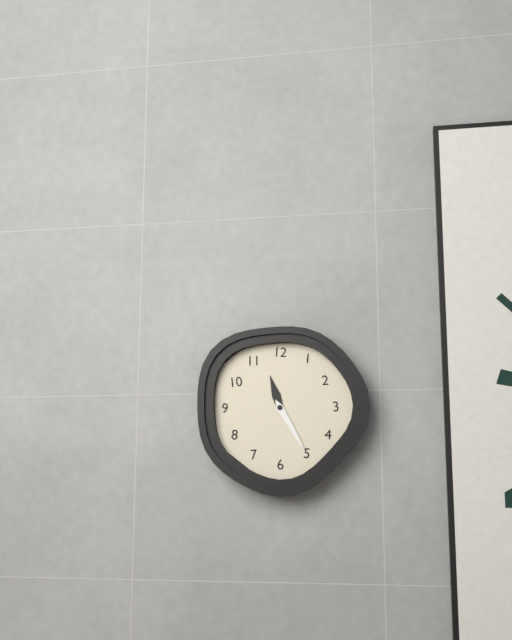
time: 11:25
